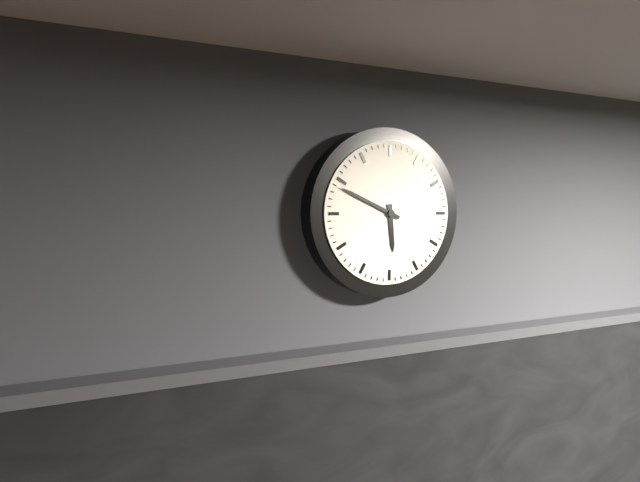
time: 5:49
